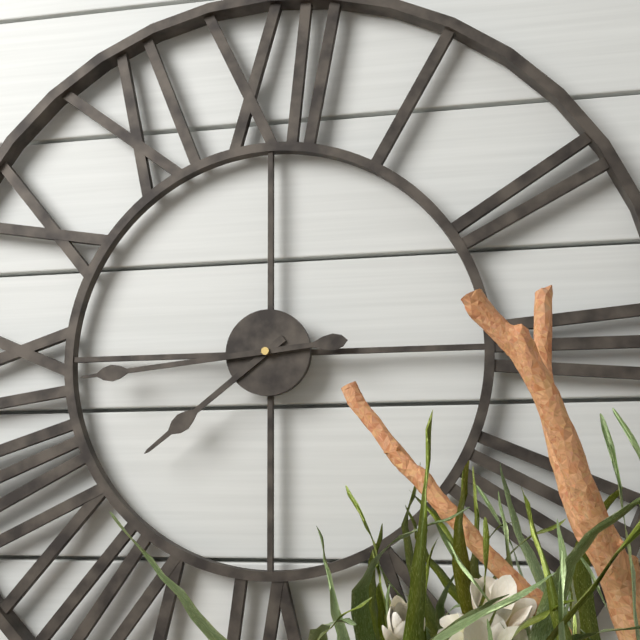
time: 7:44
